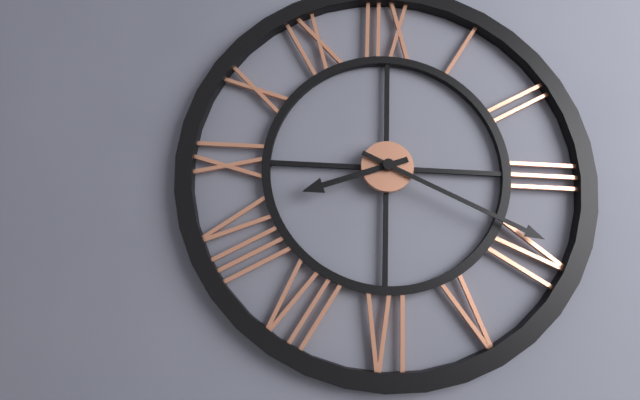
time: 8:19
